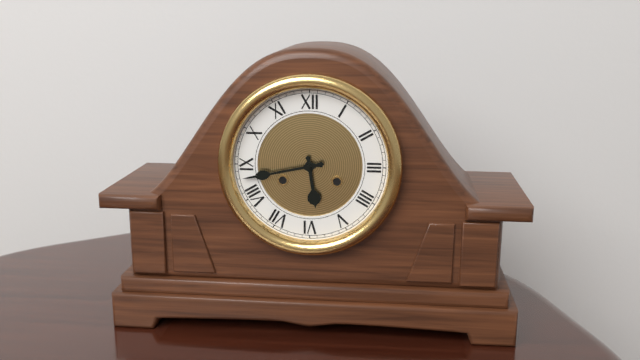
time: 5:43
